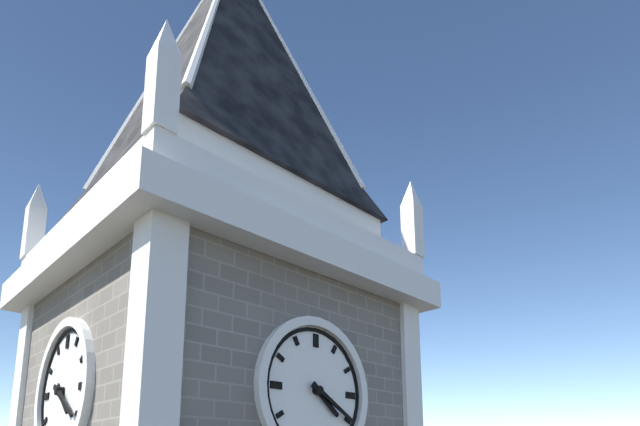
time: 4:20
